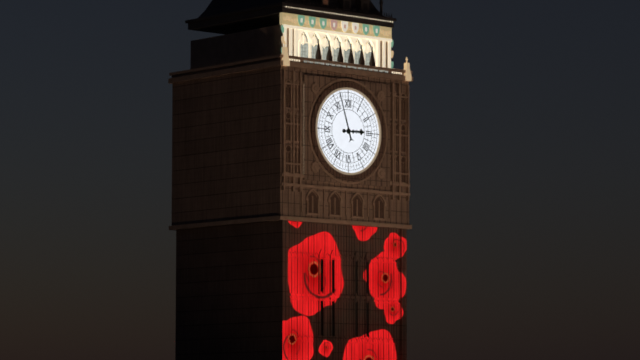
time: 2:57
